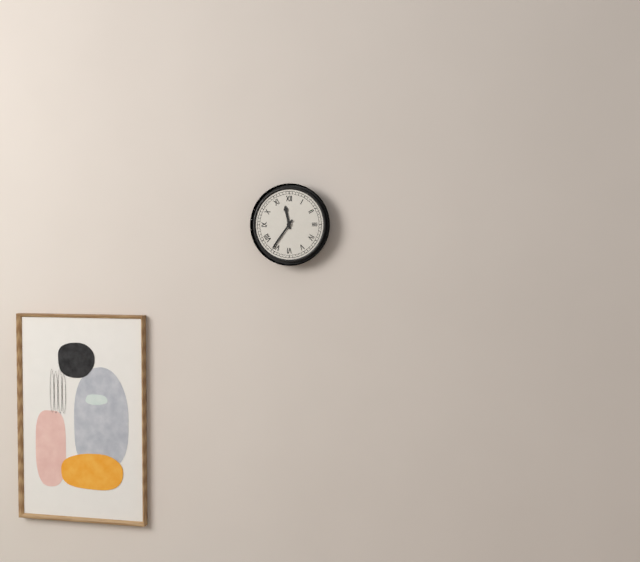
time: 11:36
